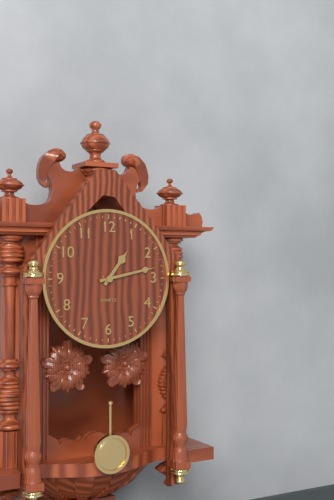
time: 1:13
